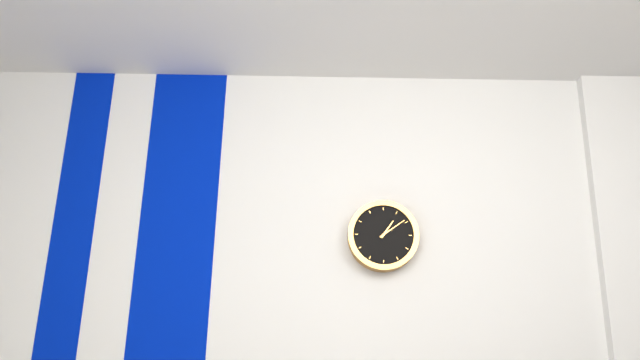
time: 1:09
